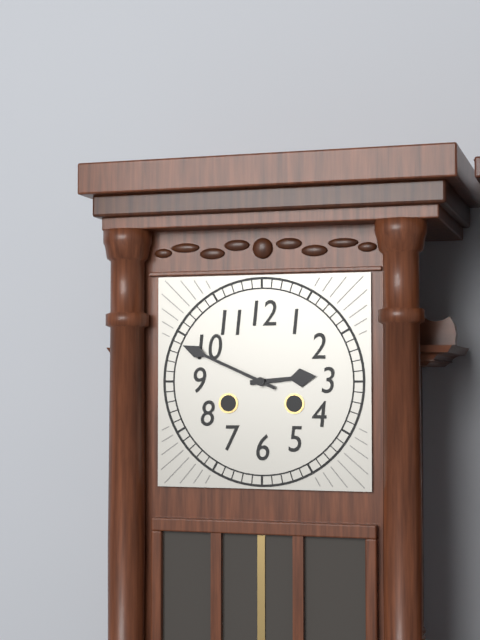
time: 2:49
